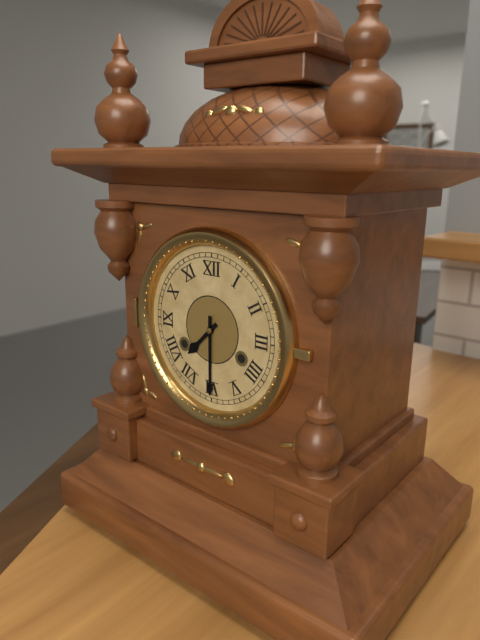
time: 7:30
